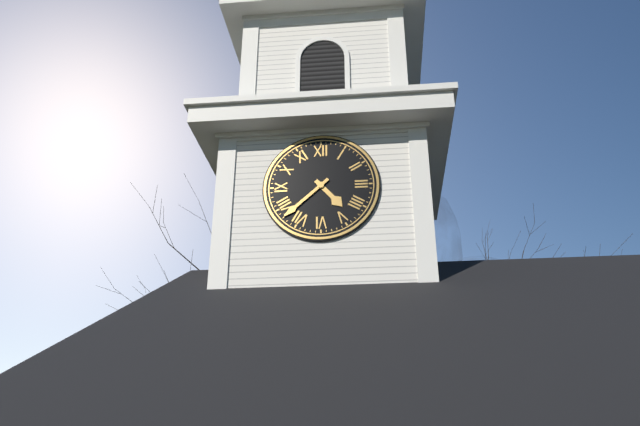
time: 4:38
